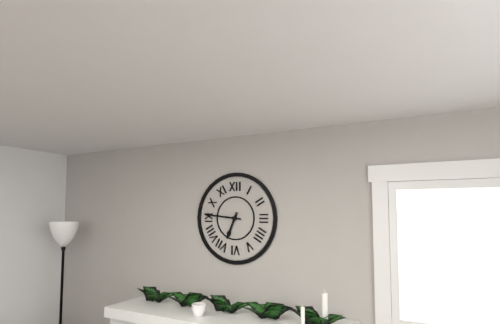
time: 6:46
